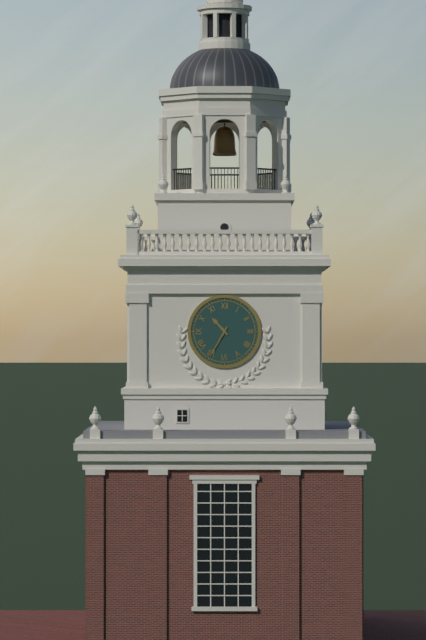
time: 10:35
